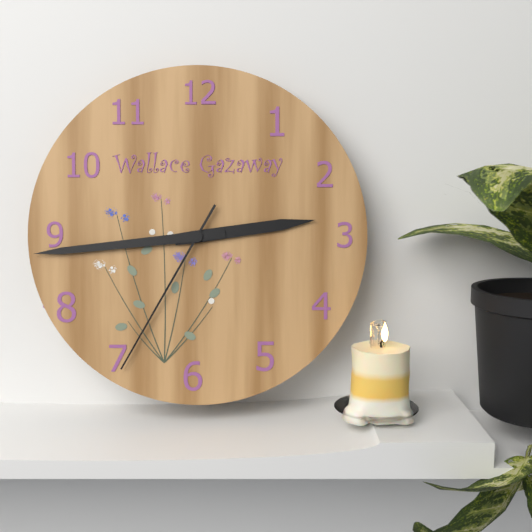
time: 2:44:35
